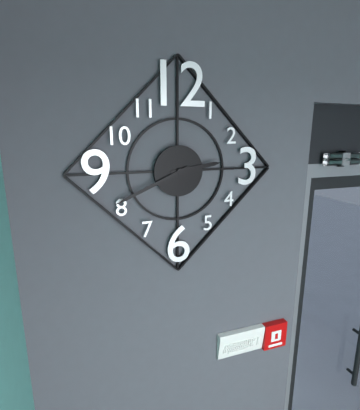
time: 2:41
